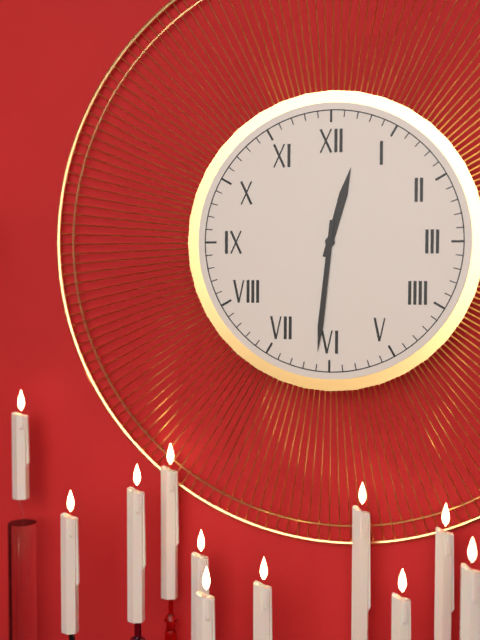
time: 12:31
